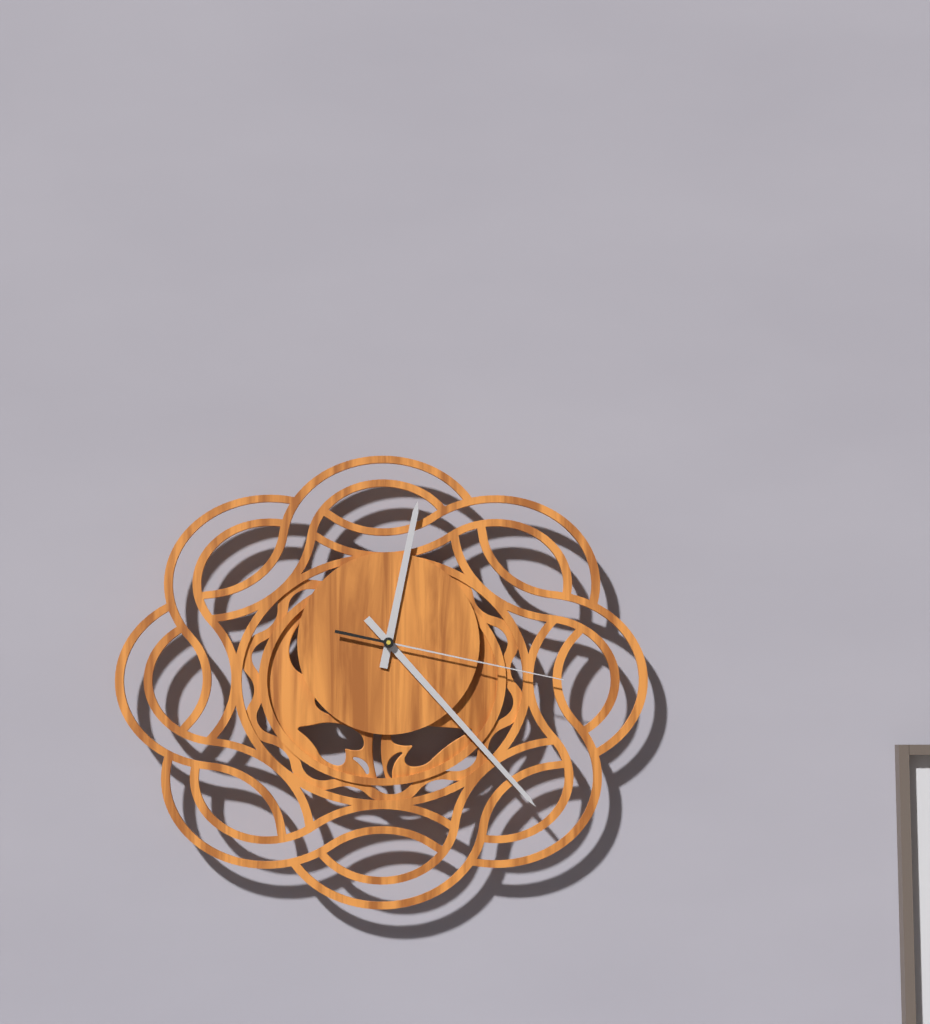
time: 12:23:17
